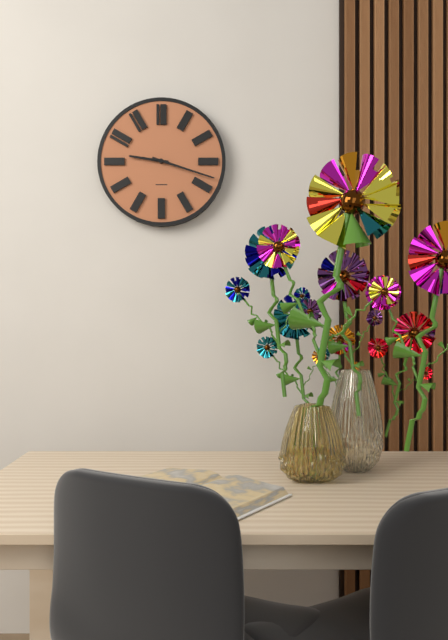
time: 9:18
